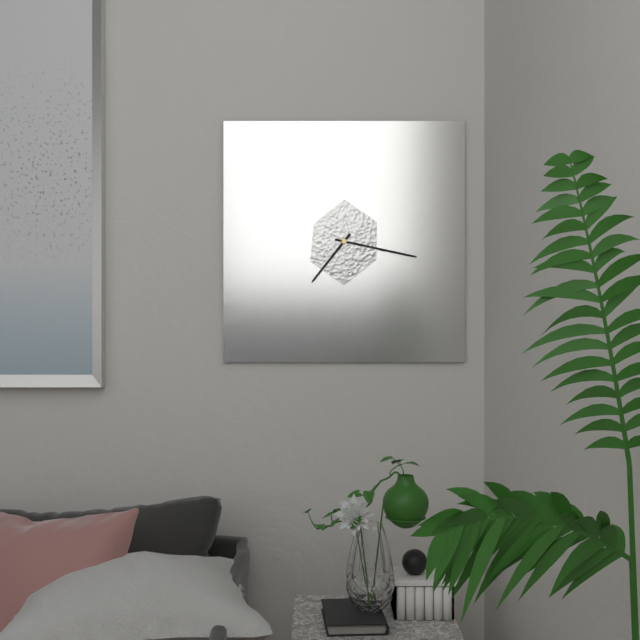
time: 7:17
